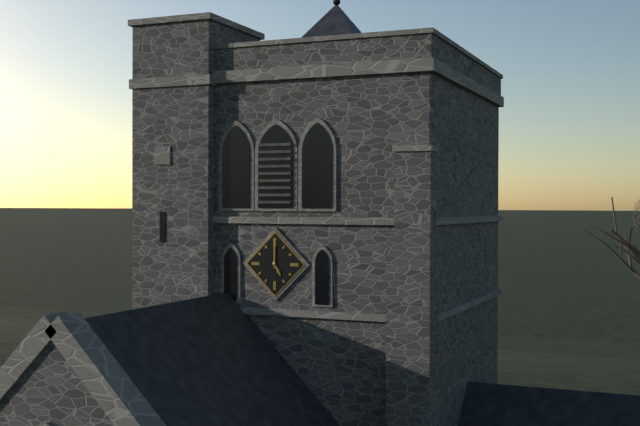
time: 5:00
